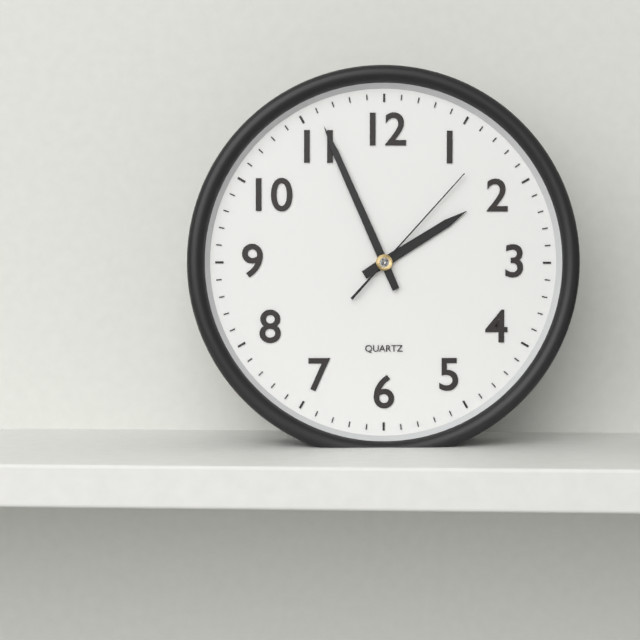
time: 1:56:07
